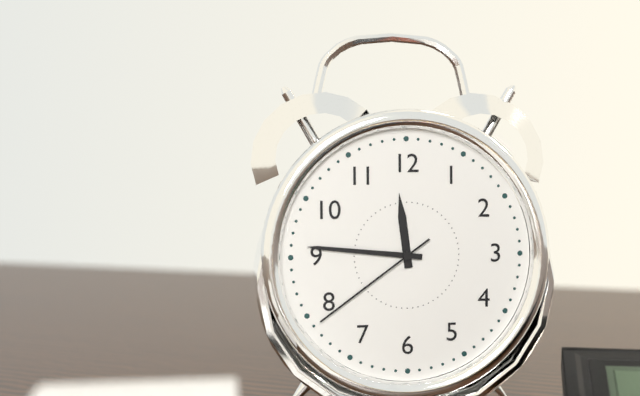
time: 11:46:39
